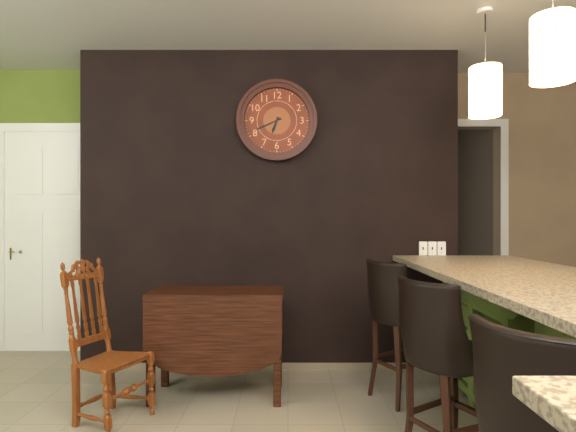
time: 6:41
